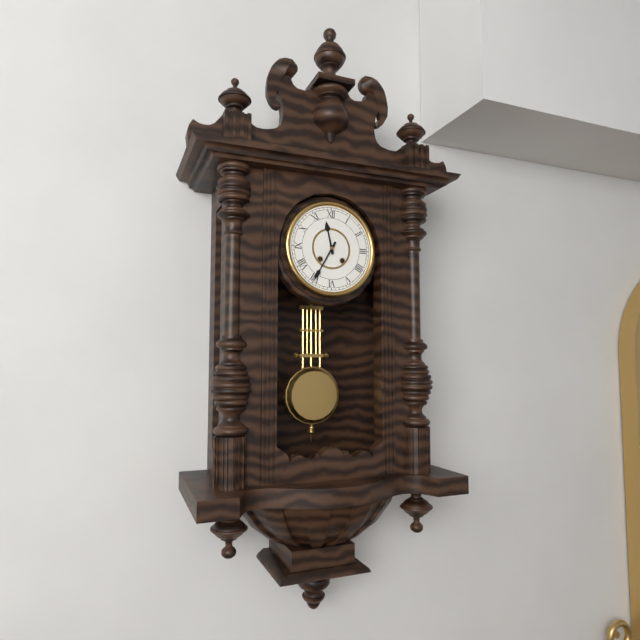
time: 11:35
